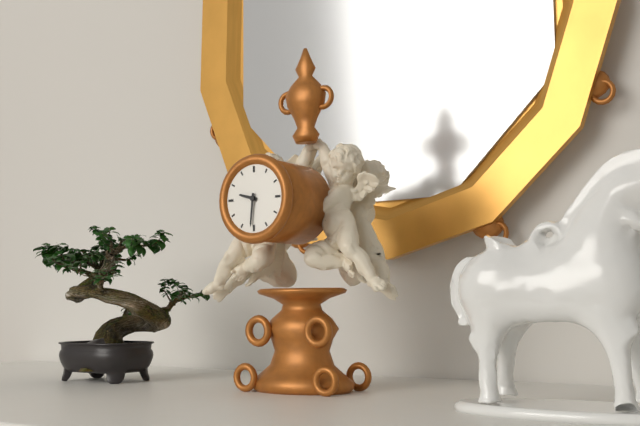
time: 9:31
